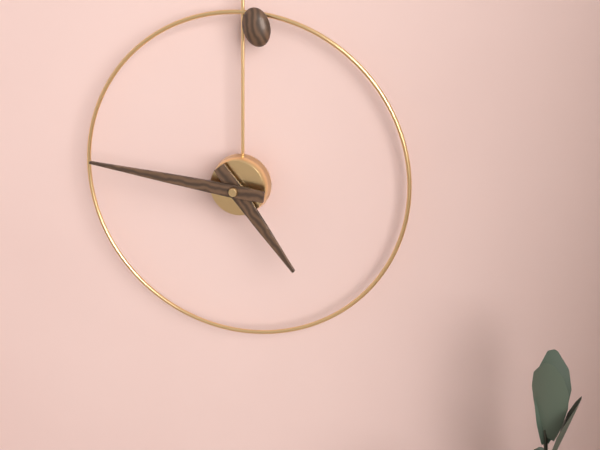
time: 4:46
